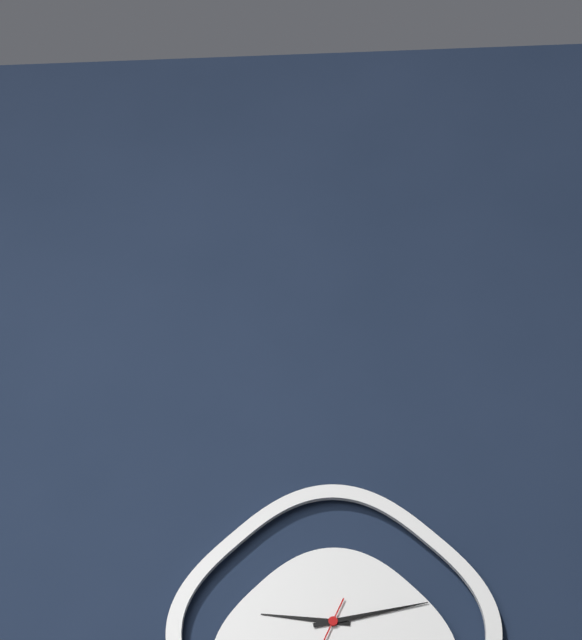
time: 9:13
